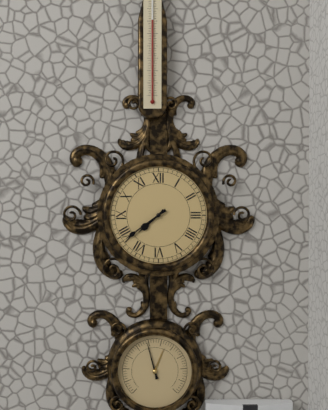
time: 7:39
